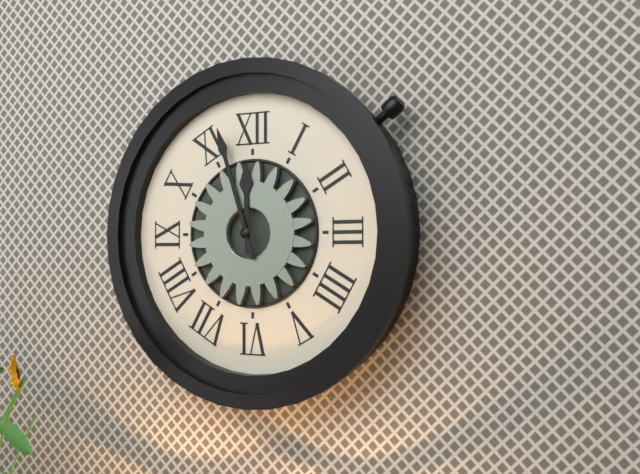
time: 11:57
